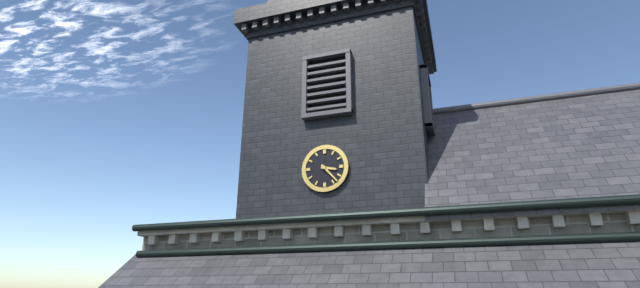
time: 3:23
